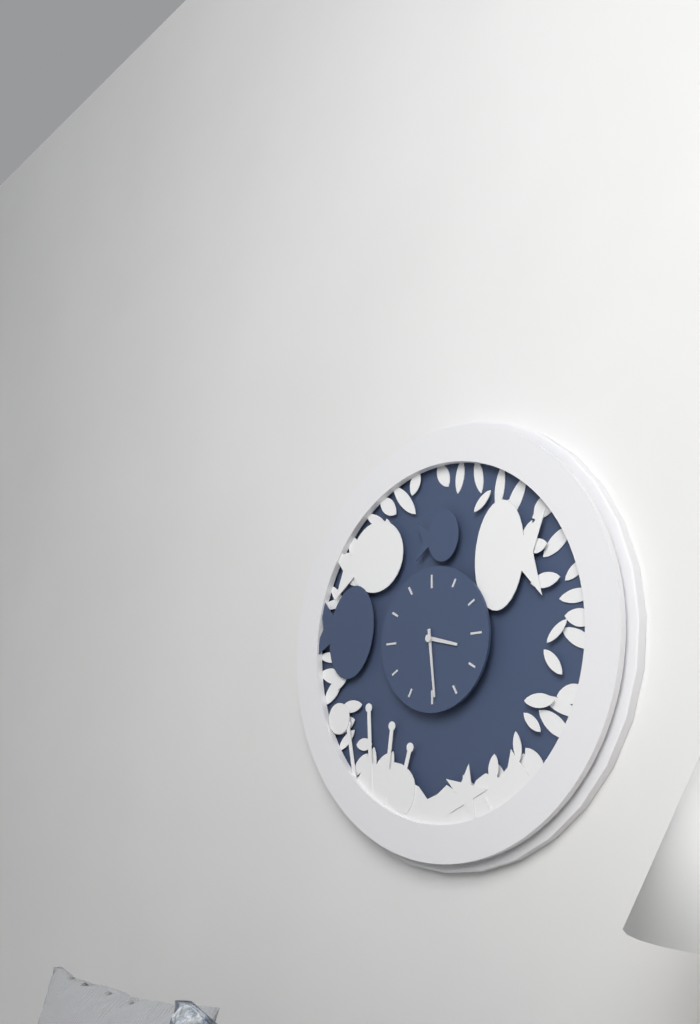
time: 3:29
